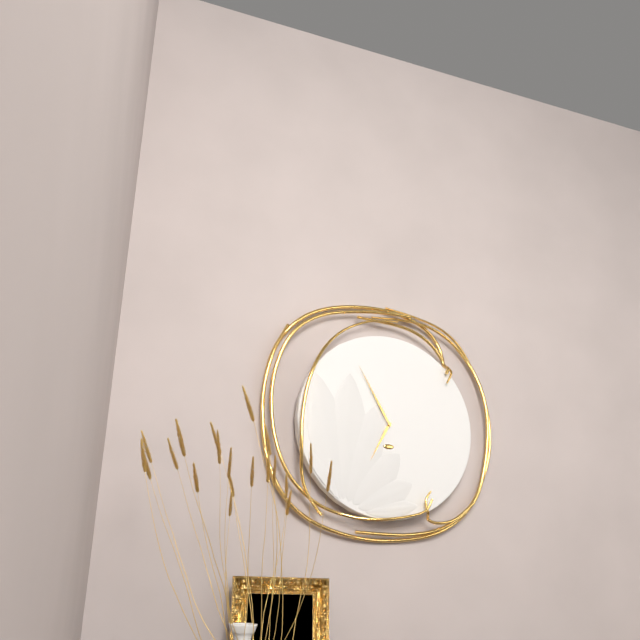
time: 6:55
